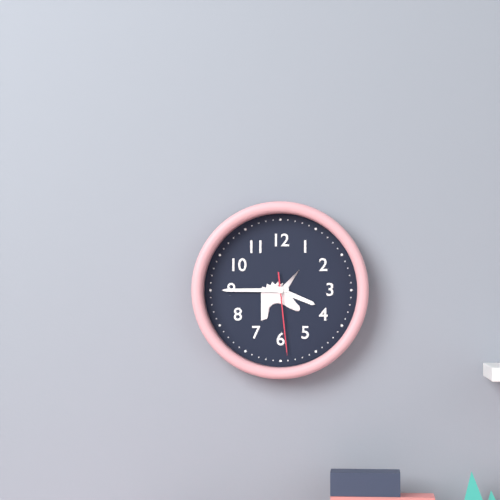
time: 3:45:29
